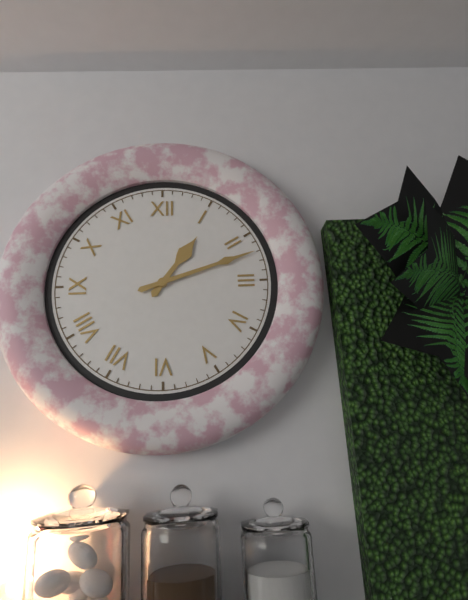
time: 1:12
